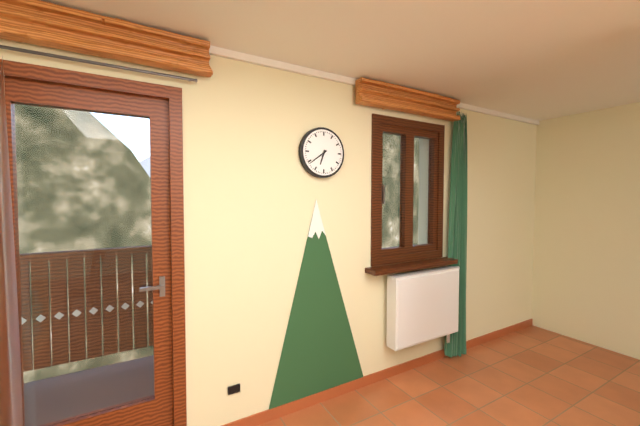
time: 6:39
